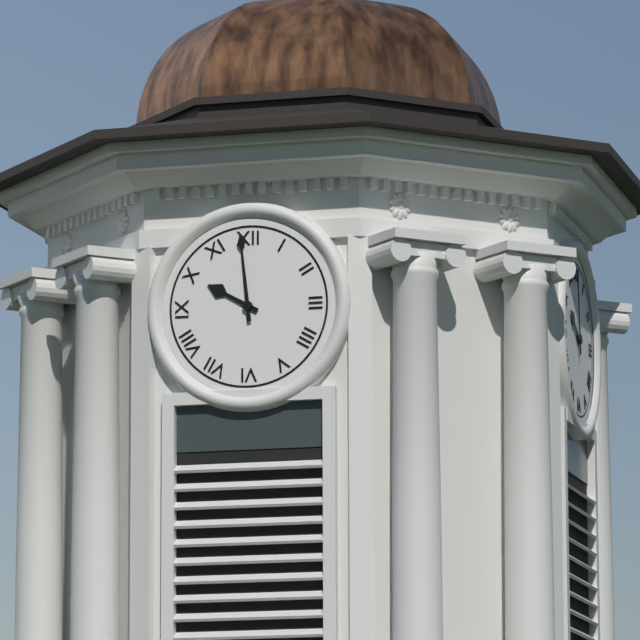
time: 9:59
